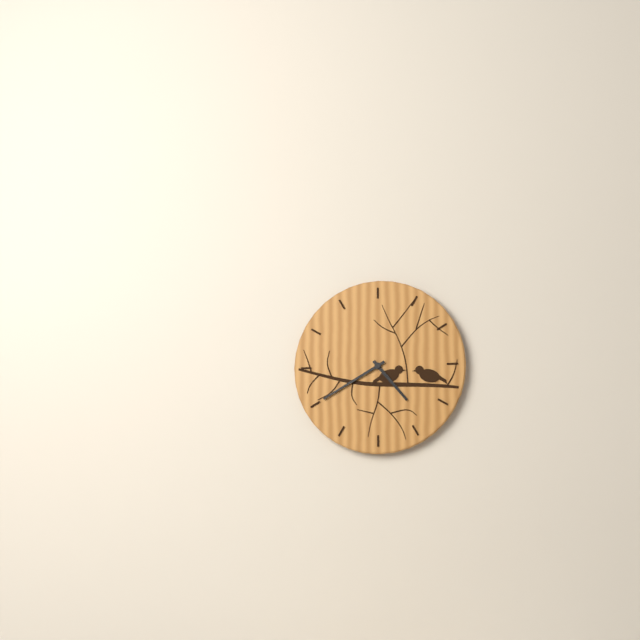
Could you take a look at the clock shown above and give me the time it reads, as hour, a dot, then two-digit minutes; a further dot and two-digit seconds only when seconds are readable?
4.40
